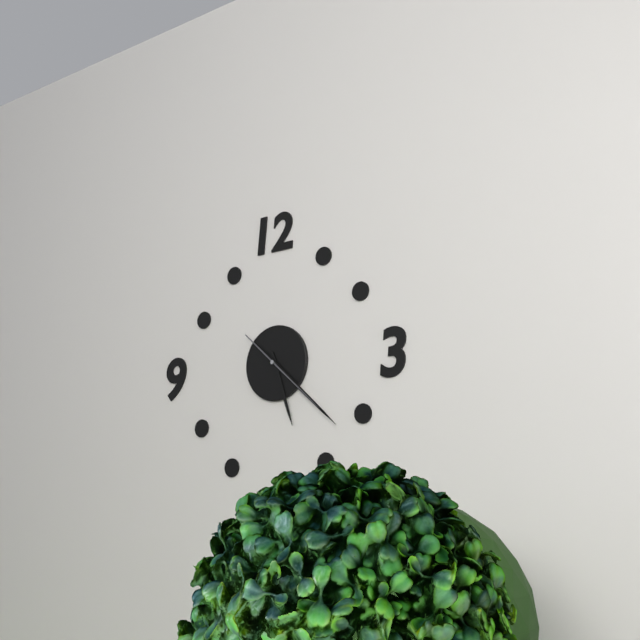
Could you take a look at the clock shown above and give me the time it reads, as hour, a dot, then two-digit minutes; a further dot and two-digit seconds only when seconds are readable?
5.22.22
